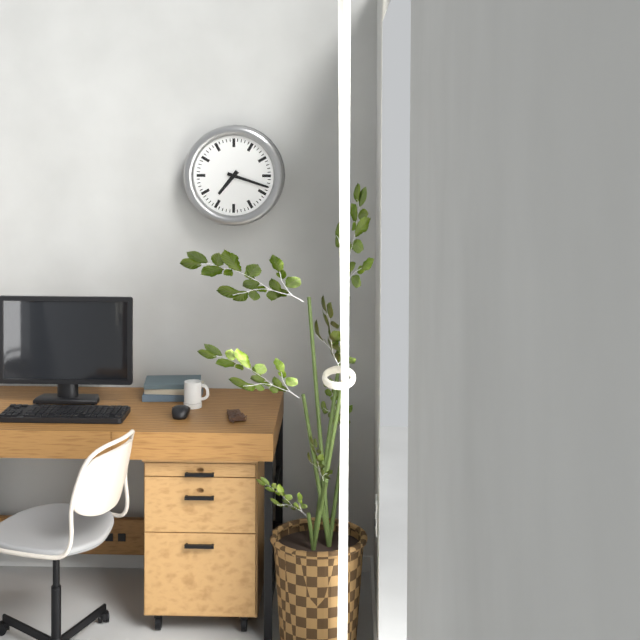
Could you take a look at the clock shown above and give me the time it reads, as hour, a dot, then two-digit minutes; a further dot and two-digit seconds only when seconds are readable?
7.18
